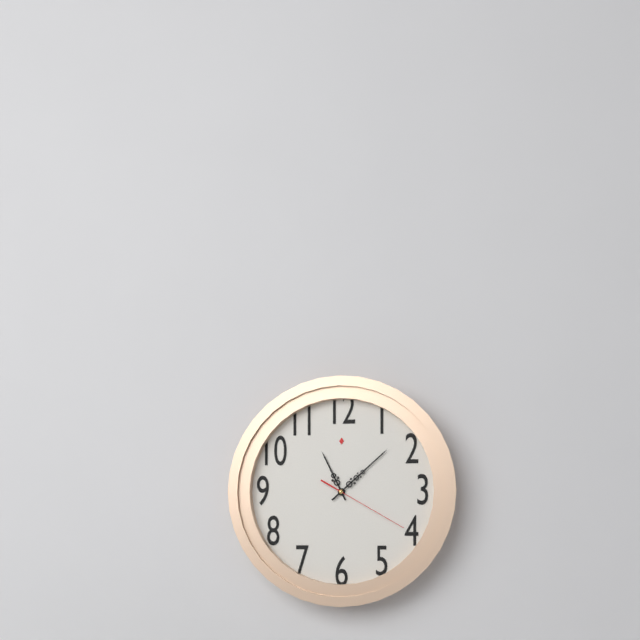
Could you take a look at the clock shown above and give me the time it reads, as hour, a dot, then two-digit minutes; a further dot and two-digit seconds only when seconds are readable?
11.08.20
